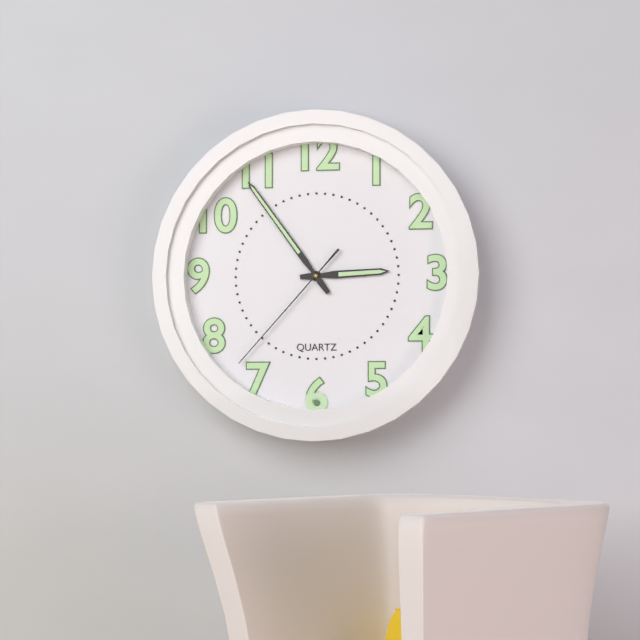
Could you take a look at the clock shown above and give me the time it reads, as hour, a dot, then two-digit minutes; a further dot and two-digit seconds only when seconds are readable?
2.54.37
